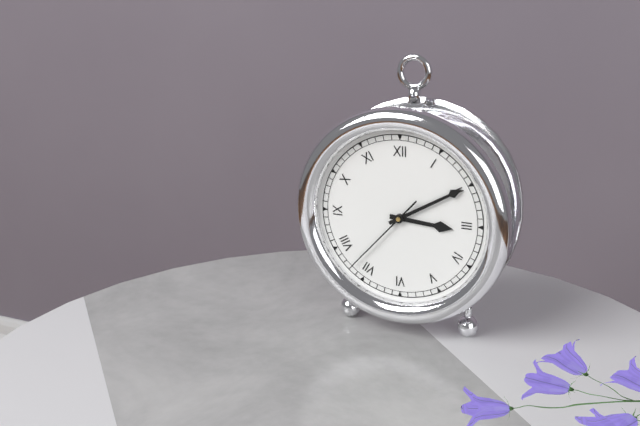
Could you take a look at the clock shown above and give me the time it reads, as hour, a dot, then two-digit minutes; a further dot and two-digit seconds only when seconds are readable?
3.10.37
